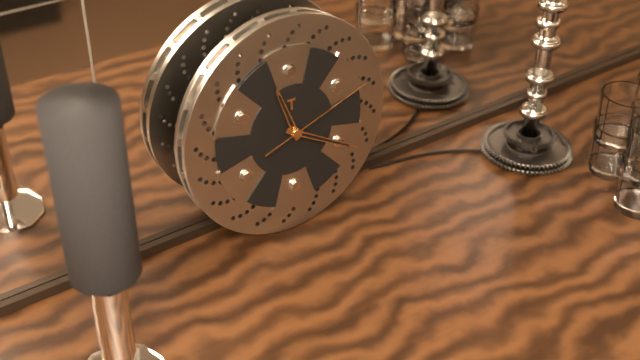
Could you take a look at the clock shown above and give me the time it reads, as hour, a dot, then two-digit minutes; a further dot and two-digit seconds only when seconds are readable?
11.20.12
